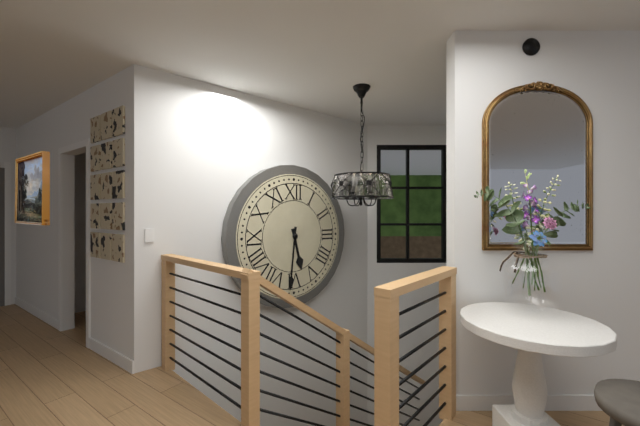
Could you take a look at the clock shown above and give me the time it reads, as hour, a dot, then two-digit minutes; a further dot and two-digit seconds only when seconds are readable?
5.31
